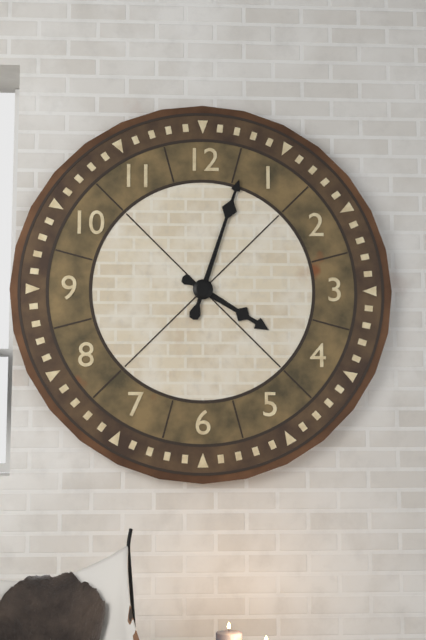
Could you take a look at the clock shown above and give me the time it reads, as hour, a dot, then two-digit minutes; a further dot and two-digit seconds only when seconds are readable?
4.03
